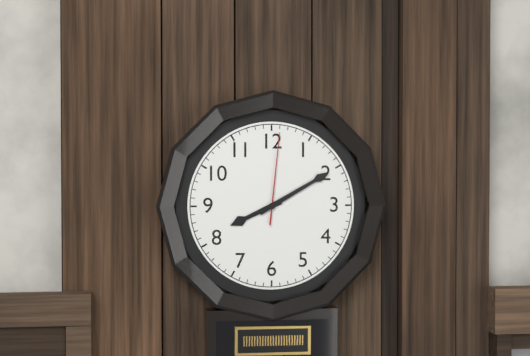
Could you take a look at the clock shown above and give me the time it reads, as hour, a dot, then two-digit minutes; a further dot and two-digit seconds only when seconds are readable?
8.10.01
